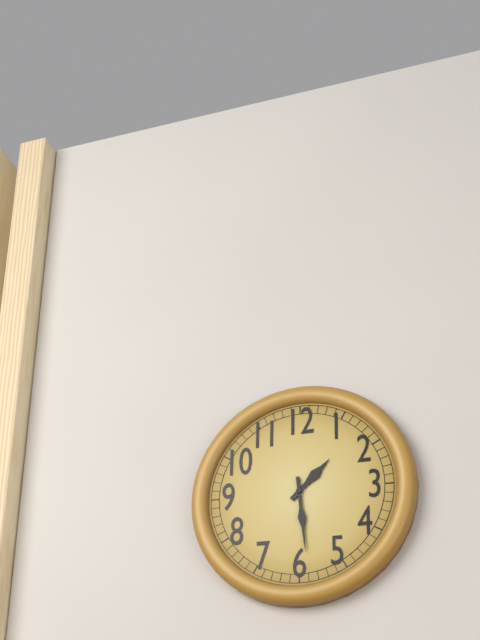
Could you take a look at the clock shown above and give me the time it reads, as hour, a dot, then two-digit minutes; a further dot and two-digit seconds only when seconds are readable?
1.29
